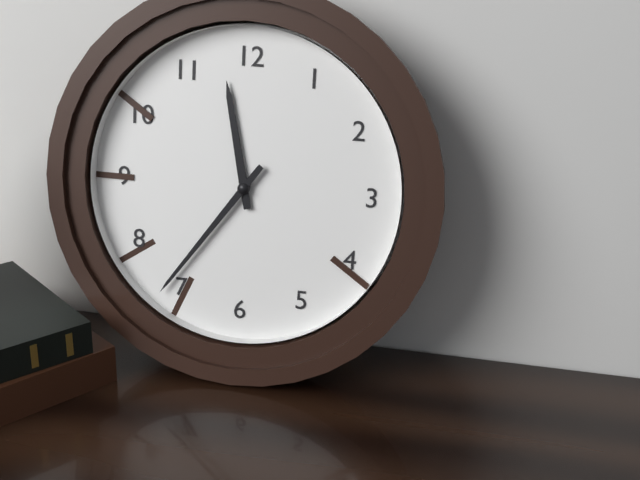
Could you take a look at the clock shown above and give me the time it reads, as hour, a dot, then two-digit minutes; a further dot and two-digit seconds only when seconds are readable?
11.36
